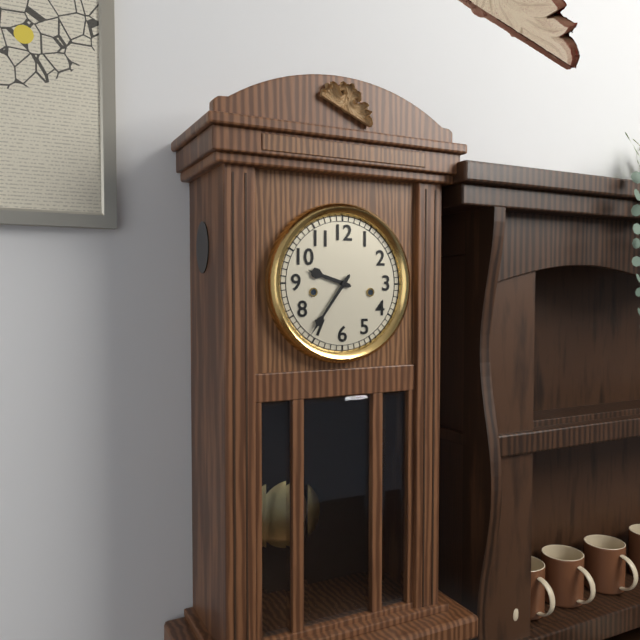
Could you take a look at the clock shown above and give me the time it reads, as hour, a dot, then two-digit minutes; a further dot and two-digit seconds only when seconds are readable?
9.36
